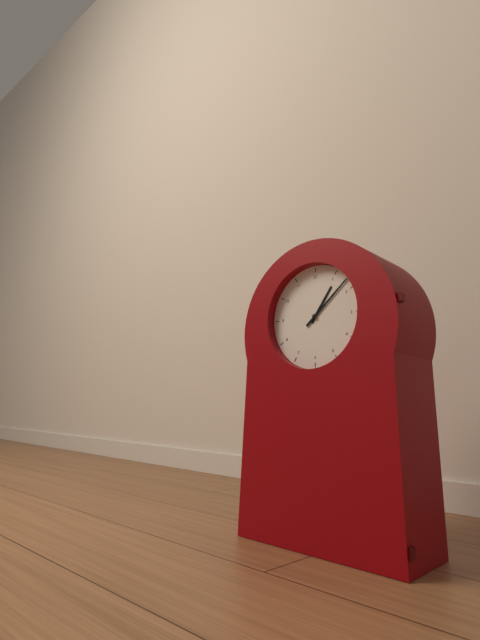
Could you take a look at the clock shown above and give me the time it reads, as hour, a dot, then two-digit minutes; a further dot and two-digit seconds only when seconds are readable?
1.08
